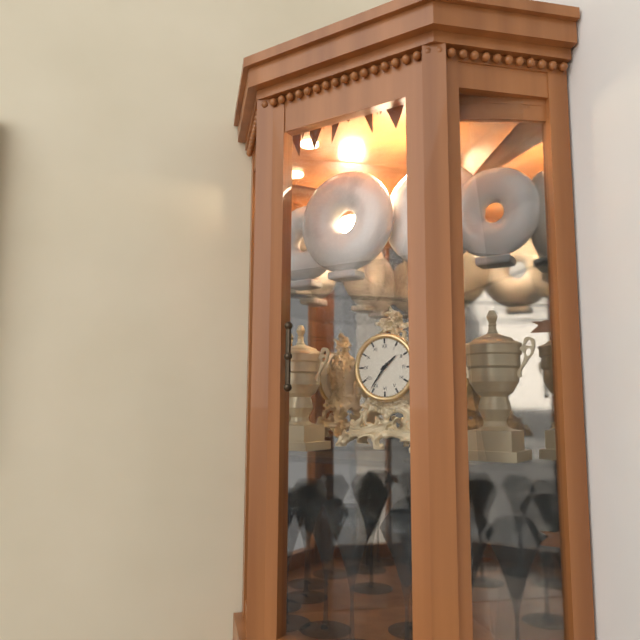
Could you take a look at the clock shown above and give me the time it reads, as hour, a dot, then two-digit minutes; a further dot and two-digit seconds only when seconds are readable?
1.36
